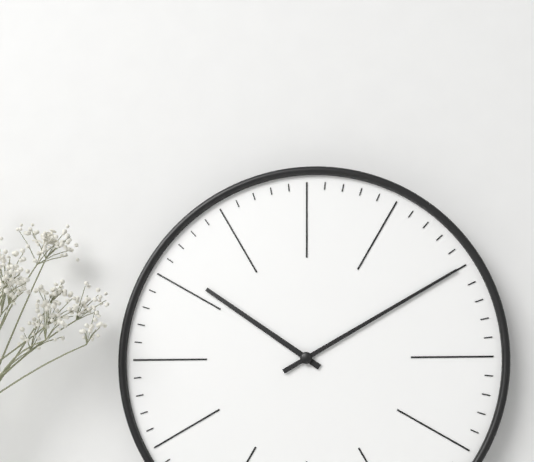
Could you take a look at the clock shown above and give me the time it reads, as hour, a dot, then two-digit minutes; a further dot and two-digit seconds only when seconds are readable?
10.10
